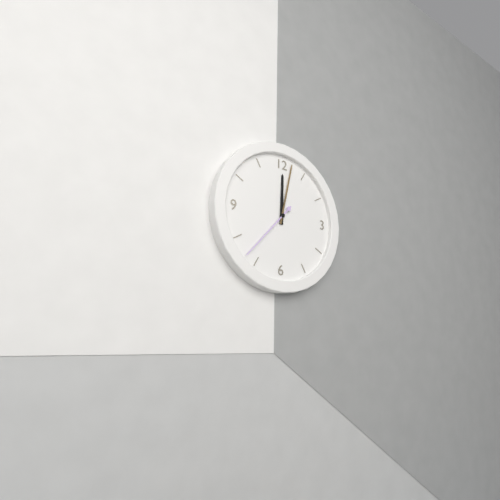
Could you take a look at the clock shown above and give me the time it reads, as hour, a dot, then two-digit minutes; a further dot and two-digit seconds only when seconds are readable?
12.02.37
